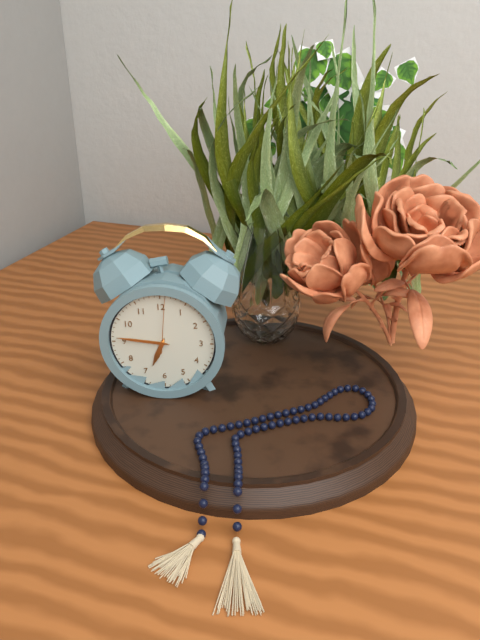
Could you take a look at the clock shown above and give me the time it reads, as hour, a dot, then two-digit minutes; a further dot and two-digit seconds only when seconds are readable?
6.46.01
